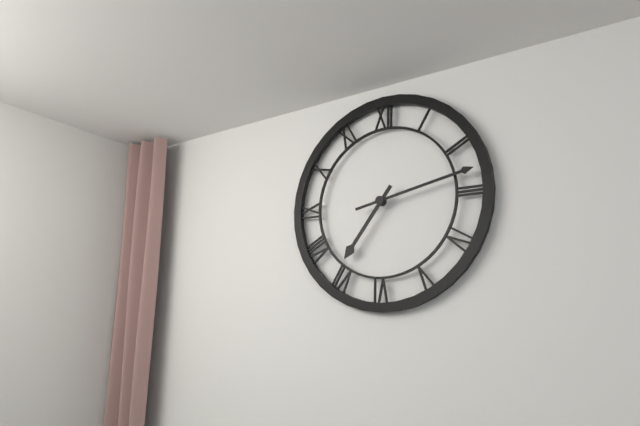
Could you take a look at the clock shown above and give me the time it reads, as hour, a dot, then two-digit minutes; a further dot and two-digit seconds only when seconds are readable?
7.13
